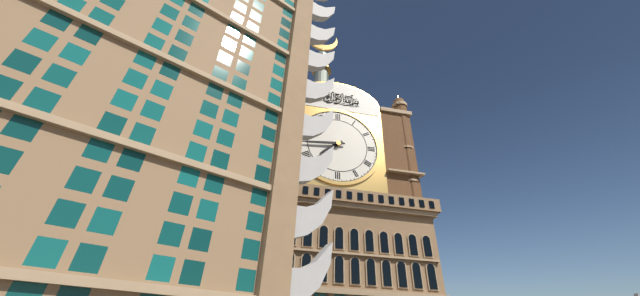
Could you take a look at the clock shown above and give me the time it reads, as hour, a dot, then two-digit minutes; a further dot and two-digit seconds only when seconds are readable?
7.44
